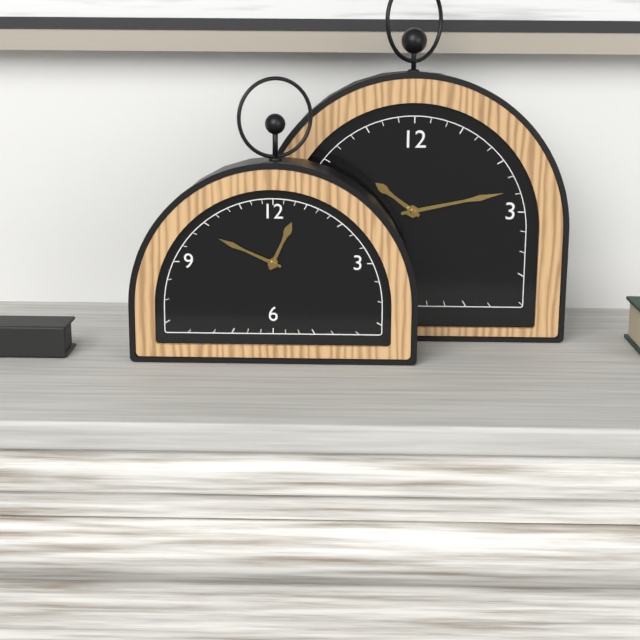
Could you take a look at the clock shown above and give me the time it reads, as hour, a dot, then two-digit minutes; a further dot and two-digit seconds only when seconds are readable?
12.49
